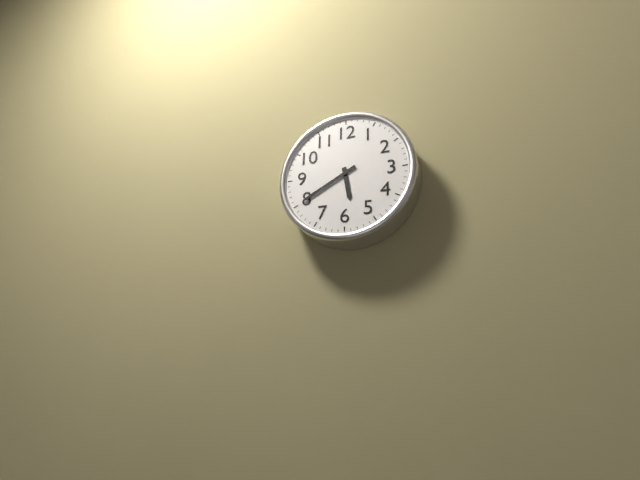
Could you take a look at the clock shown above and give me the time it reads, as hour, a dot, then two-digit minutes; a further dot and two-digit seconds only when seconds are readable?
5.40
